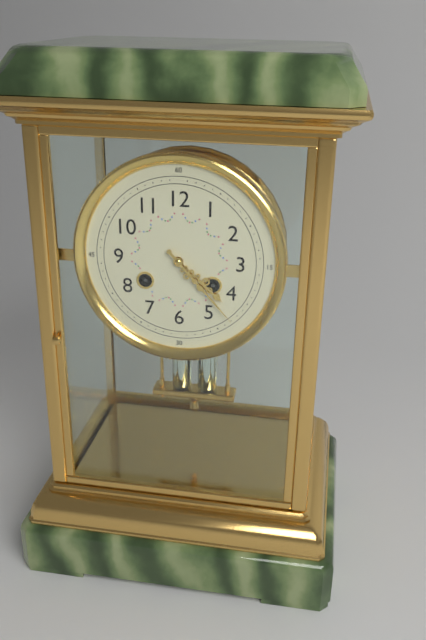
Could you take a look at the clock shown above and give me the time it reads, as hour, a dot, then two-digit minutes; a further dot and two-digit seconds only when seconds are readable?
4.23
